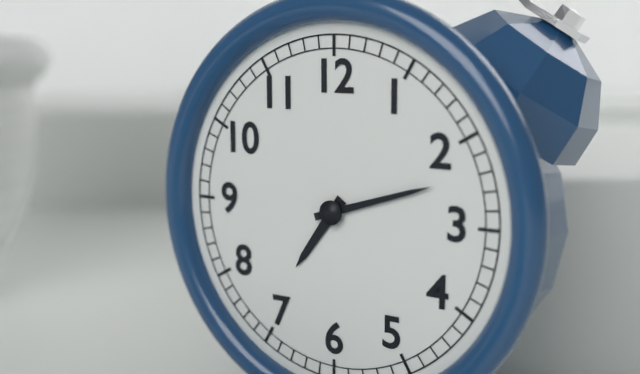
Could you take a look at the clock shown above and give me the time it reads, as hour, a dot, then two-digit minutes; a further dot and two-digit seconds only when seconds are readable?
7.12
